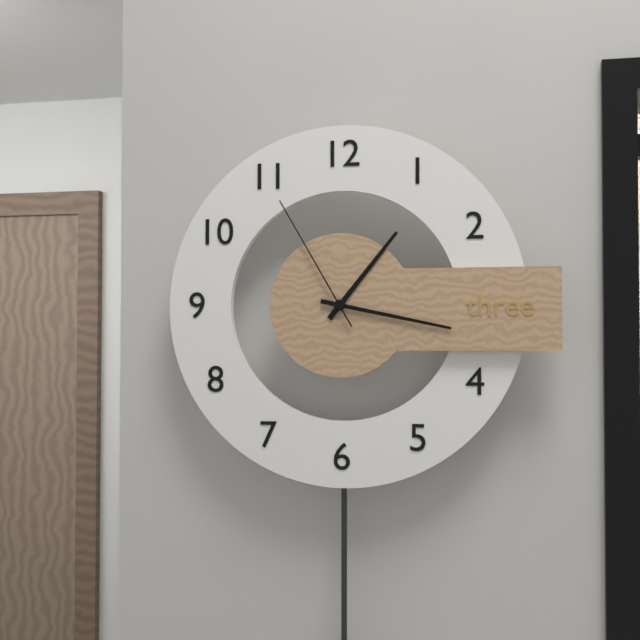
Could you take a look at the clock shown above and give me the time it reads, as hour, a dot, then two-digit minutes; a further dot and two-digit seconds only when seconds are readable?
1.17.55
